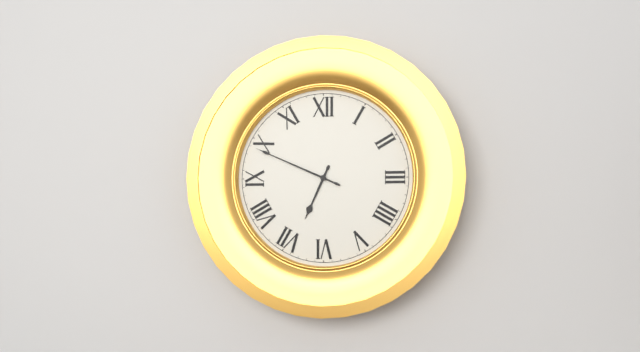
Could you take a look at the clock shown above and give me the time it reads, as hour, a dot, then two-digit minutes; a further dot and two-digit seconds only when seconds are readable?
6.49
